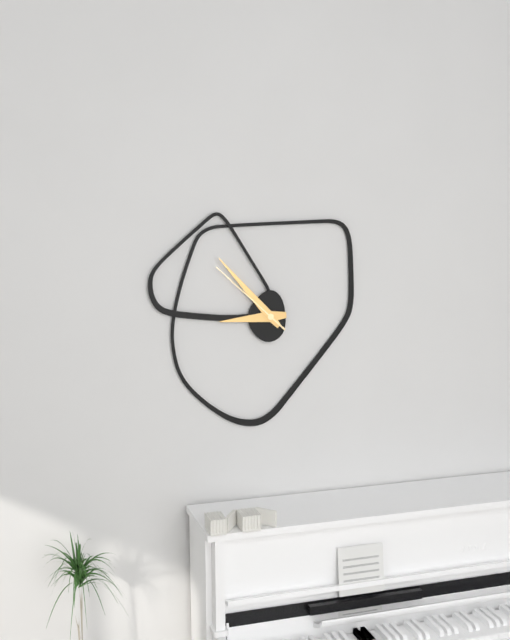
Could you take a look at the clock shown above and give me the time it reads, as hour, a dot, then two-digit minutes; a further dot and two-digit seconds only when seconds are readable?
8.53.52
